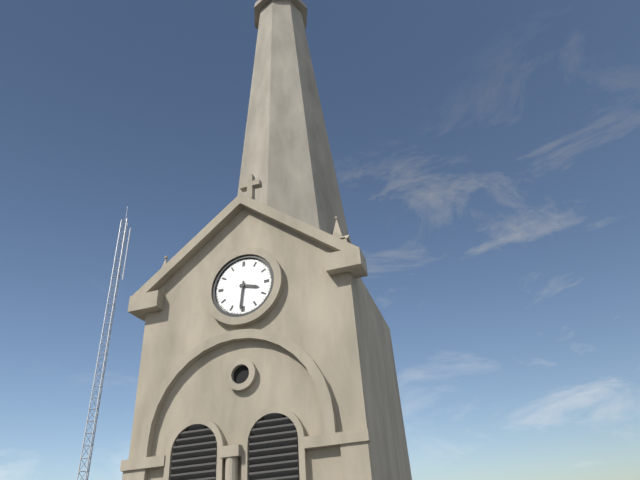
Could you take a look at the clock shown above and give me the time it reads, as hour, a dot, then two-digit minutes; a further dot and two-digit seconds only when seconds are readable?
3.31
